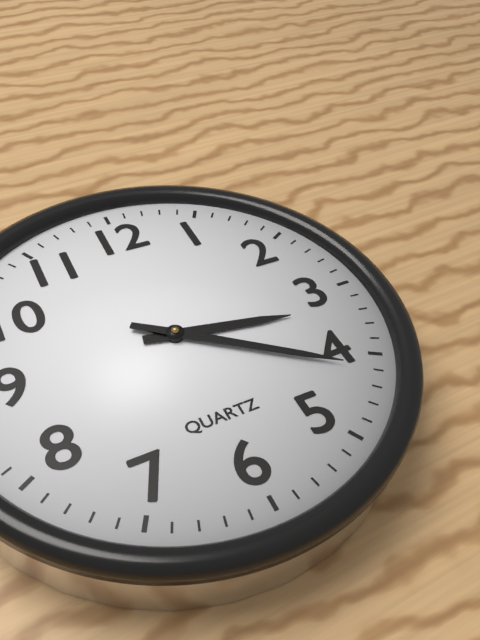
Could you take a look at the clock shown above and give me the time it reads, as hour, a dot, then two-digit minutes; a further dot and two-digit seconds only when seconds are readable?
3.21
